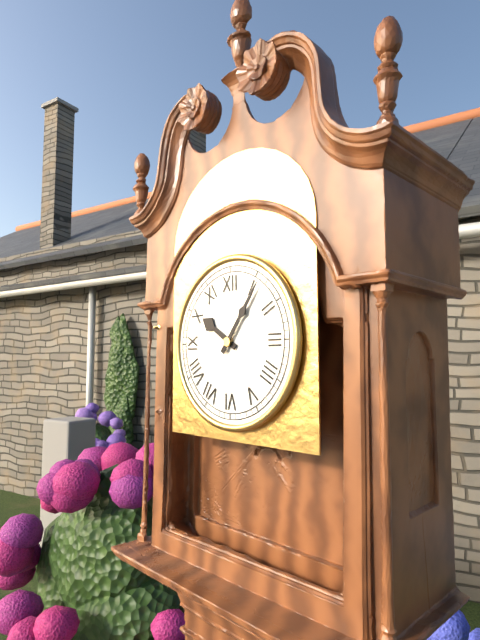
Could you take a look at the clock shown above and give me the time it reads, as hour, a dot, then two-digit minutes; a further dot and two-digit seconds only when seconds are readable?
10.06
